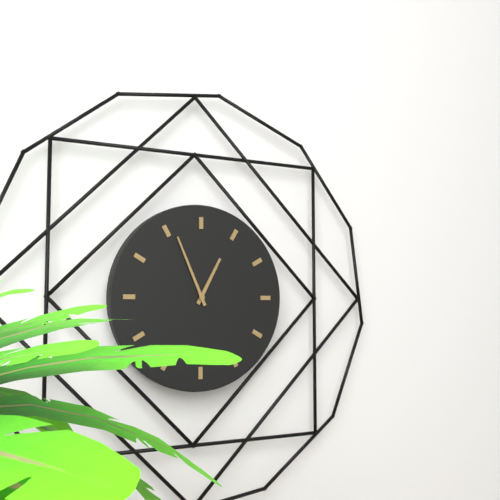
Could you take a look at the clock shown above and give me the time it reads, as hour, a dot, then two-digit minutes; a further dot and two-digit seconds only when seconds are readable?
12.56
